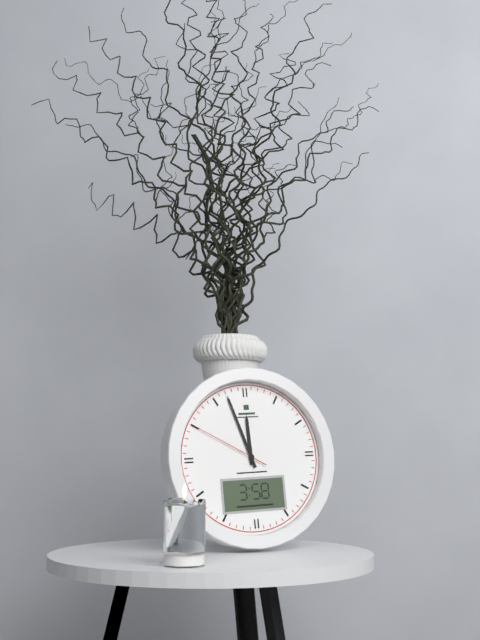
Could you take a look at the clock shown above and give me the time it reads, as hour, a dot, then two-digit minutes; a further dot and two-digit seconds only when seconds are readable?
11.57.50
